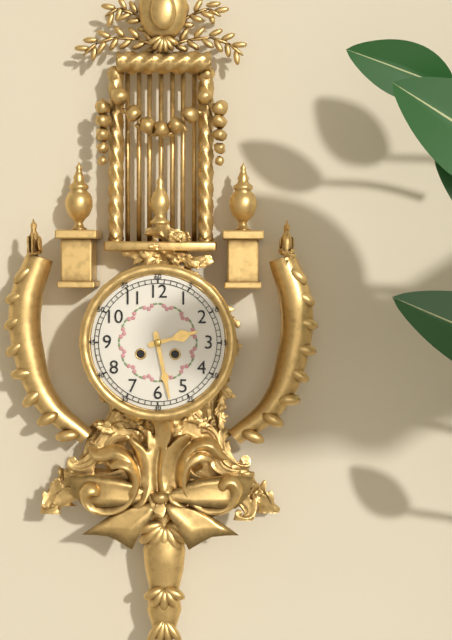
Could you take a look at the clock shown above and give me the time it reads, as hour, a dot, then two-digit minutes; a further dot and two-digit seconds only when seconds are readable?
2.28
